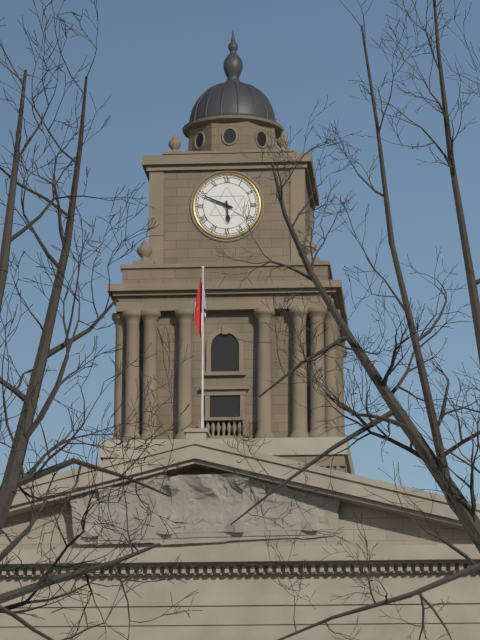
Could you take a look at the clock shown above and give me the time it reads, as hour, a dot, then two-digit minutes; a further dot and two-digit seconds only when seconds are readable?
5.49
